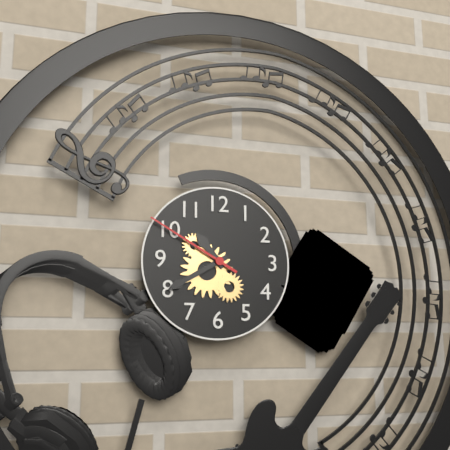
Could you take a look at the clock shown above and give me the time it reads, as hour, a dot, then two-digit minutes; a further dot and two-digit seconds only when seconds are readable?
10.40.50
